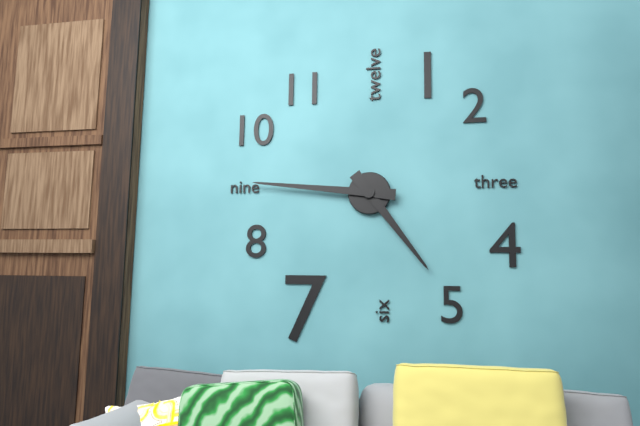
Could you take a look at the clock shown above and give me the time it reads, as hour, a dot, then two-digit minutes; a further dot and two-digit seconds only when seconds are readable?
4.46
